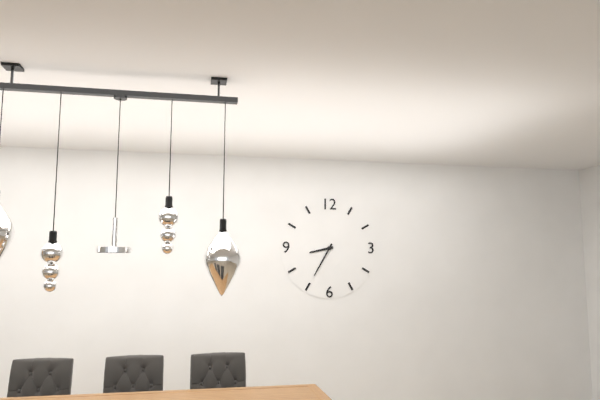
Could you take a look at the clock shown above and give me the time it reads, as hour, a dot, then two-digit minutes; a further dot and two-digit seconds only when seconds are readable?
8.35
